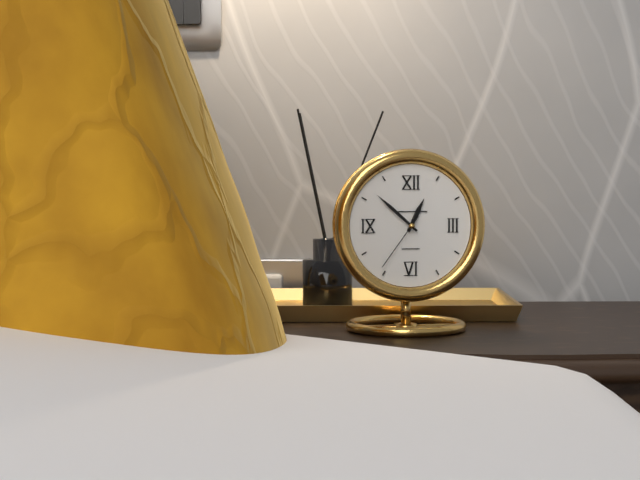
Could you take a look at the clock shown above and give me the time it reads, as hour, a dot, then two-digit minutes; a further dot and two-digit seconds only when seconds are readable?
12.52.36
